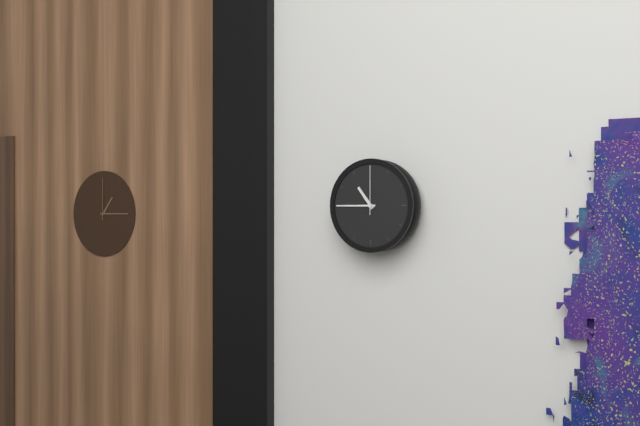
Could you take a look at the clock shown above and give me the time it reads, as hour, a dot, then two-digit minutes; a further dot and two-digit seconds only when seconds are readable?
10.45.00
